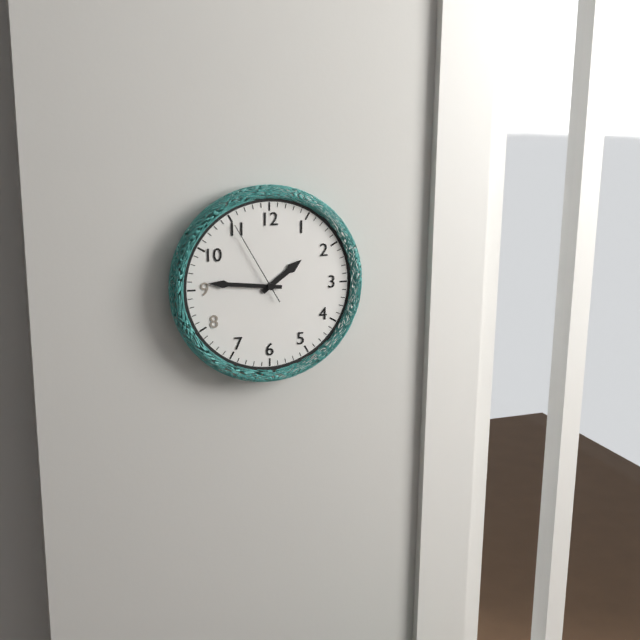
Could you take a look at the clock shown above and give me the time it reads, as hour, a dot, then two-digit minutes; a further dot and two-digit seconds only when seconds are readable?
1.46.55
